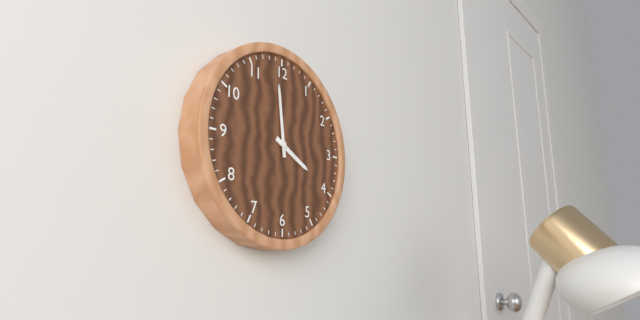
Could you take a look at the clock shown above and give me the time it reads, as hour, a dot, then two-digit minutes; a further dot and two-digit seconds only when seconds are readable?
3.59
